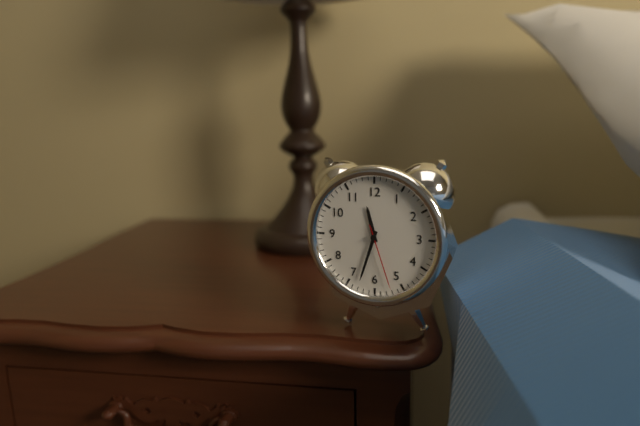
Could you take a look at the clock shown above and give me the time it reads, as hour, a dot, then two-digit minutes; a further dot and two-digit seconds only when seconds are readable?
11.33.27
